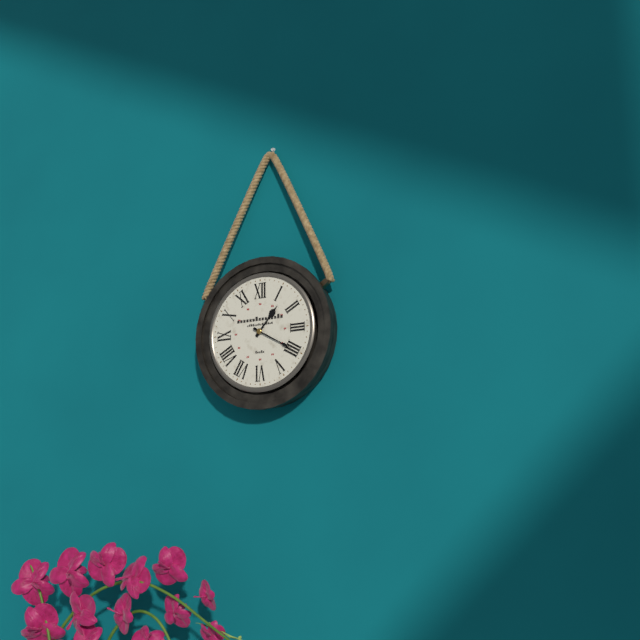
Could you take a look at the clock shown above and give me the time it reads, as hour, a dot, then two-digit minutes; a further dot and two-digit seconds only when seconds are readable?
1.20
